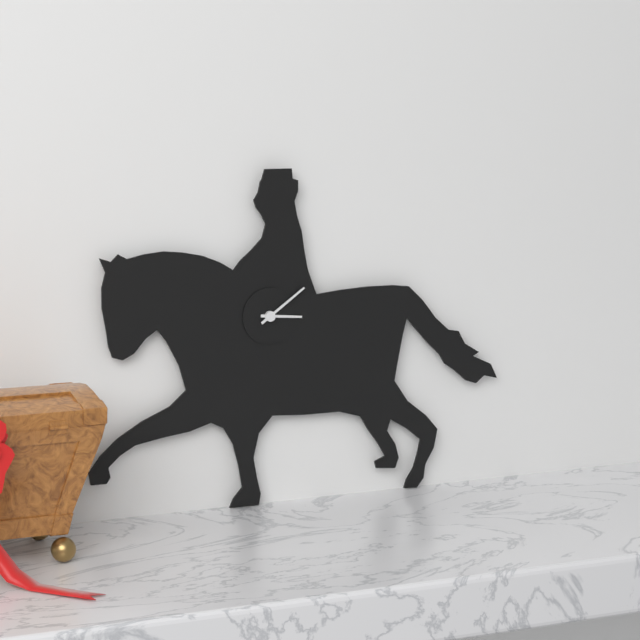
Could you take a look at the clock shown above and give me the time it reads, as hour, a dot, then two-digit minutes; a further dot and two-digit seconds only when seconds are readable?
3.09
